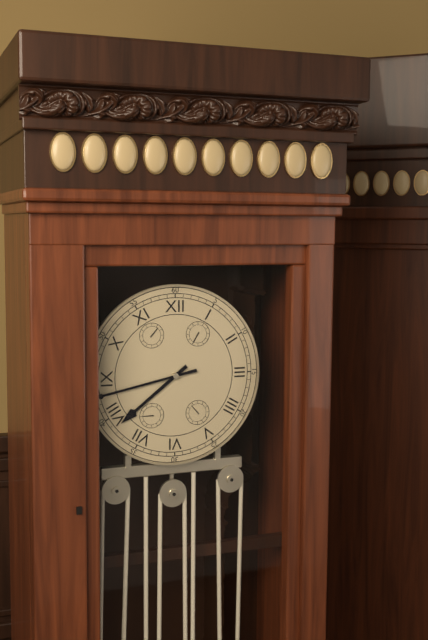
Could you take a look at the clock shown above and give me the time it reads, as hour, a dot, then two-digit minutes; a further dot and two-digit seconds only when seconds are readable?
7.43
